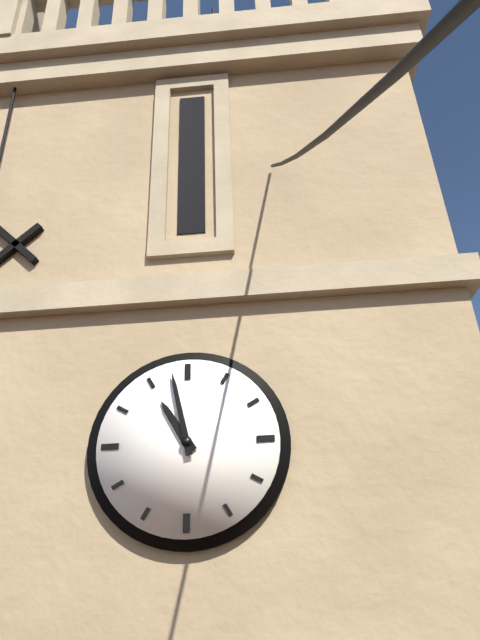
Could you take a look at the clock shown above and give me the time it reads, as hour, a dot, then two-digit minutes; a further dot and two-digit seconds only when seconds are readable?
10.58
